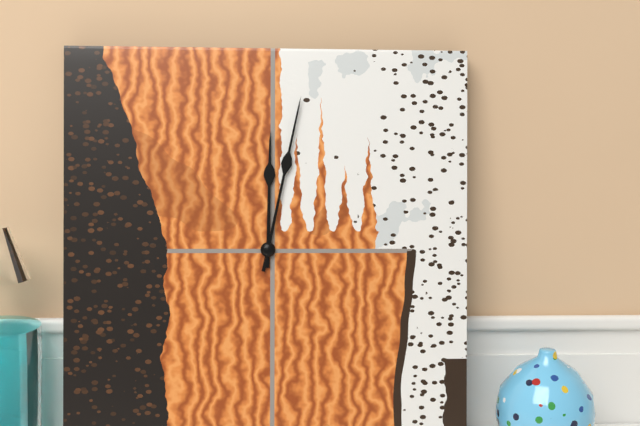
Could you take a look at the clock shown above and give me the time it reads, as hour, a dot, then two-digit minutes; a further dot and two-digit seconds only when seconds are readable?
12.02
